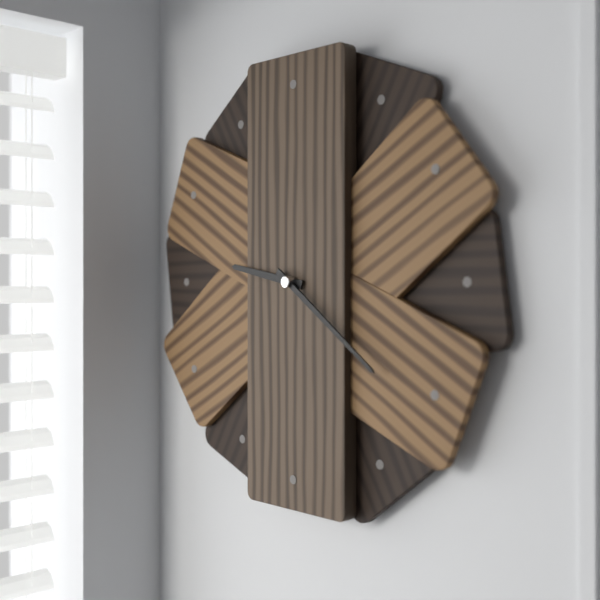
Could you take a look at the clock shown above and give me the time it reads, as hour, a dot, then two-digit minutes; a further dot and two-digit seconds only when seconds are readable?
9.21
